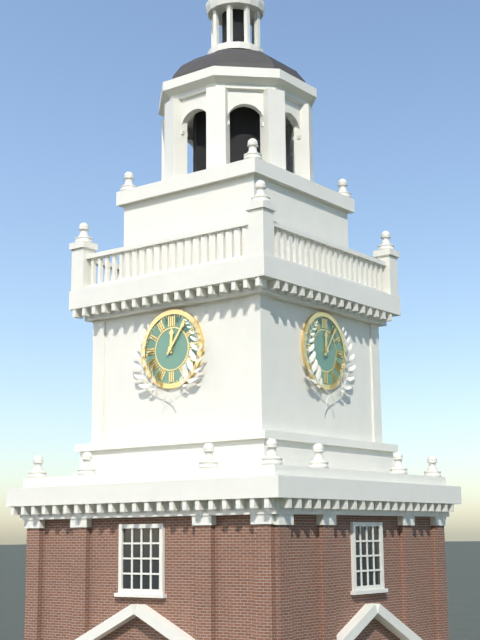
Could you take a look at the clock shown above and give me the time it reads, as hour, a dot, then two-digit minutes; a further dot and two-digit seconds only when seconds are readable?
12.06
